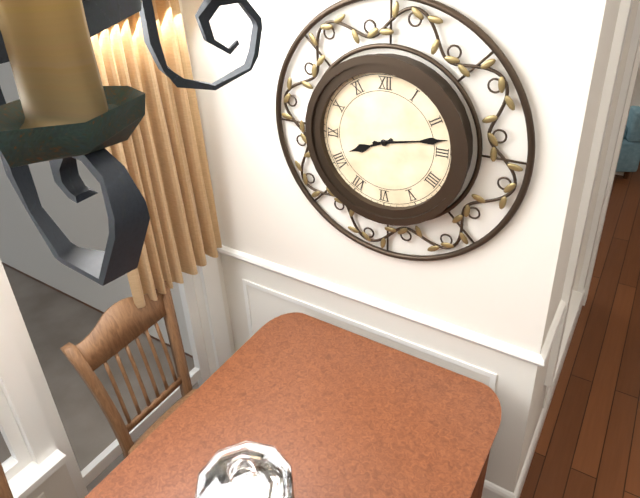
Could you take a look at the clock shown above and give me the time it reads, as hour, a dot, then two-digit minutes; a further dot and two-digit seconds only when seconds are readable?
8.13
